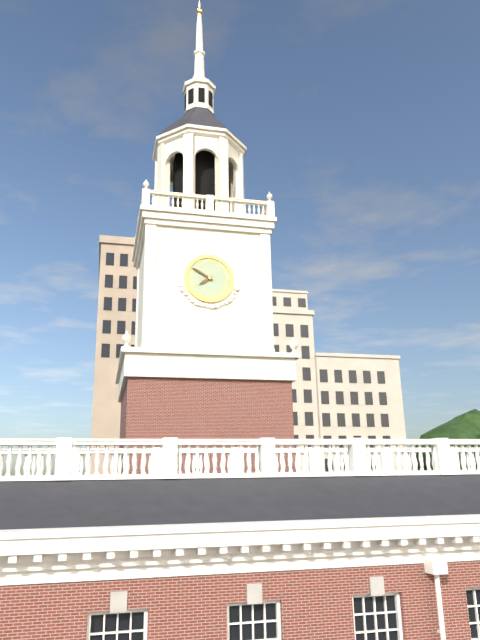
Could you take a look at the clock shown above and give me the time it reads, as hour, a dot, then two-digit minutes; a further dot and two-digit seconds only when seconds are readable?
7.50
